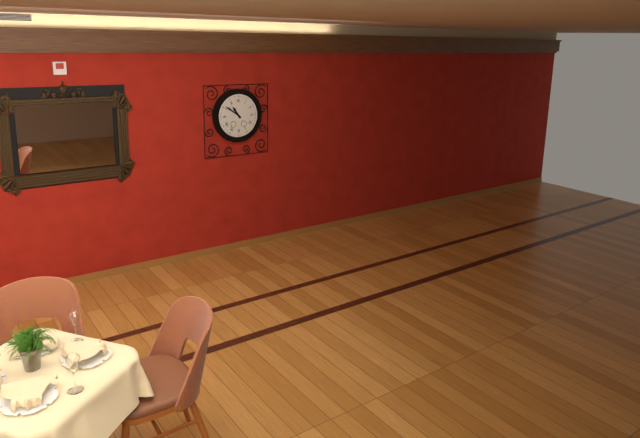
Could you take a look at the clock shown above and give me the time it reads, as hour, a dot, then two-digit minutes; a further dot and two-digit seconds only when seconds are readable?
10.51
